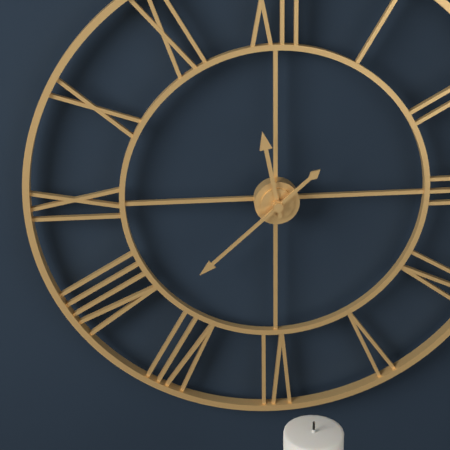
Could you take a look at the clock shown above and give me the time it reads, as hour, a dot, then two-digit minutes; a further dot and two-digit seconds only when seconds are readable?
11.38
